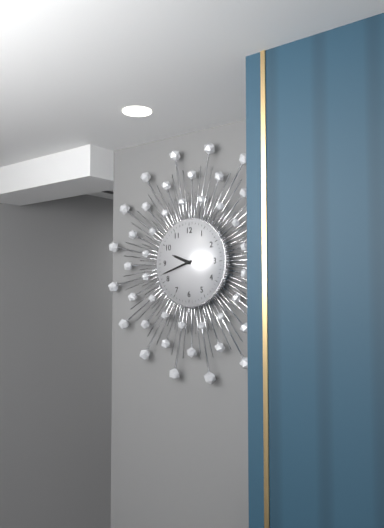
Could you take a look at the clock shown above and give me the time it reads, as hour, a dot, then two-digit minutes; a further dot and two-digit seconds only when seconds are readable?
9.42
